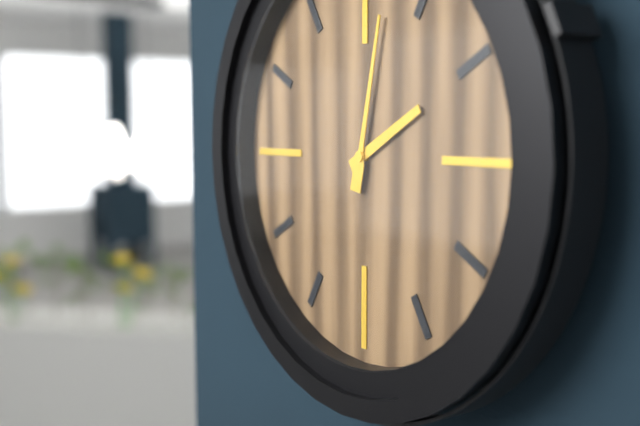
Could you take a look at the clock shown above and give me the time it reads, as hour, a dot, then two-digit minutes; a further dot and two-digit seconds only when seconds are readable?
2.02
